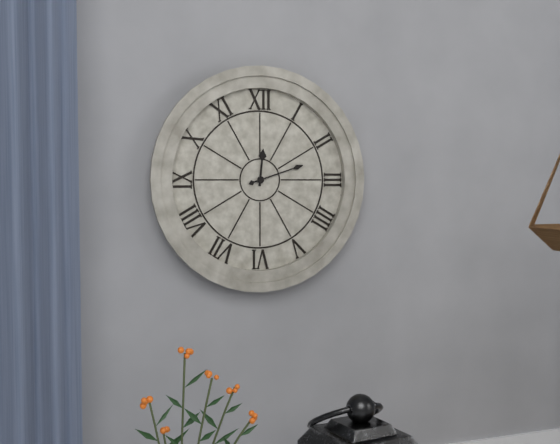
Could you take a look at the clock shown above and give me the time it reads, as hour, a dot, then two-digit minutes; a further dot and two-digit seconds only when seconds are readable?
12.12
